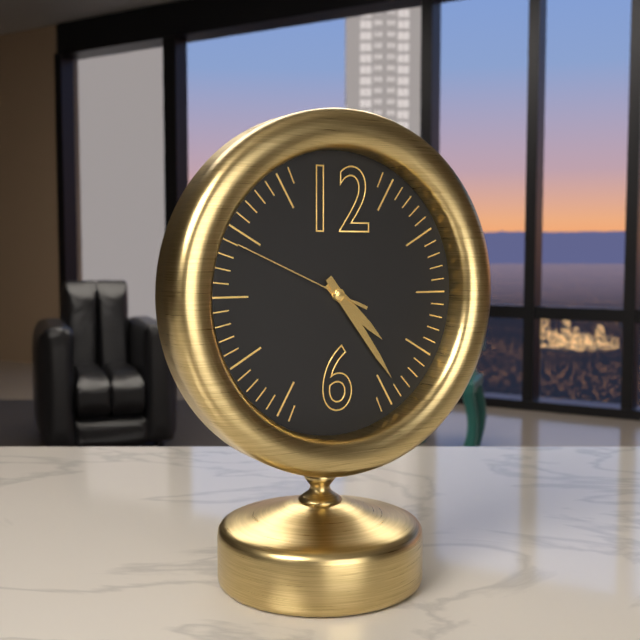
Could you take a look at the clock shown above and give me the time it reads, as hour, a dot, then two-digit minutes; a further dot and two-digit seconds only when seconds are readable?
4.24.49
